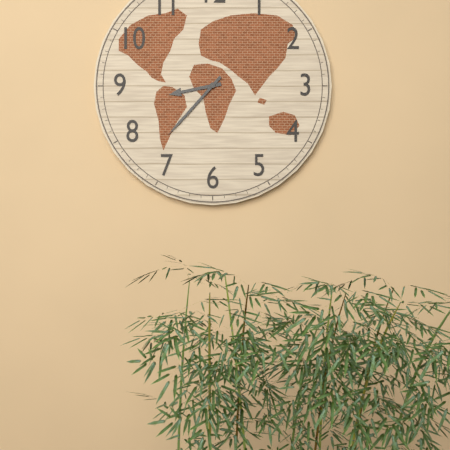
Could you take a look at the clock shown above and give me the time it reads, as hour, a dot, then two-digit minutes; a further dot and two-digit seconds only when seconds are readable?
8.37
